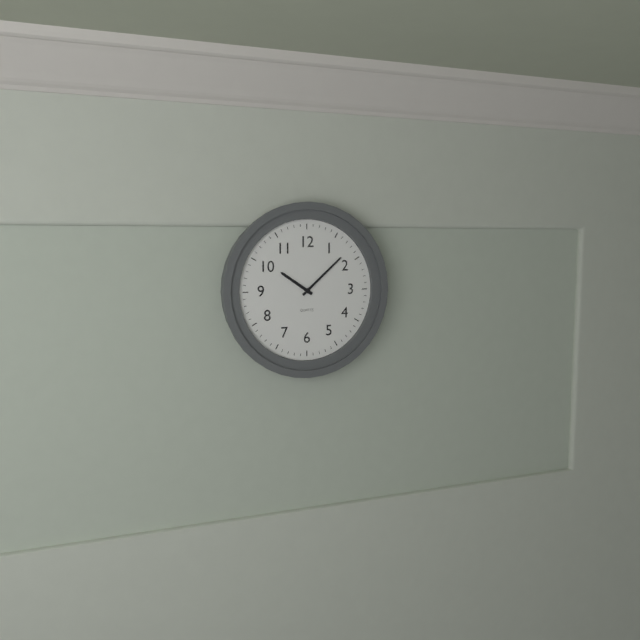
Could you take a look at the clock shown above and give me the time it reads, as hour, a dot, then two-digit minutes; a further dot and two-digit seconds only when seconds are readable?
10.08
